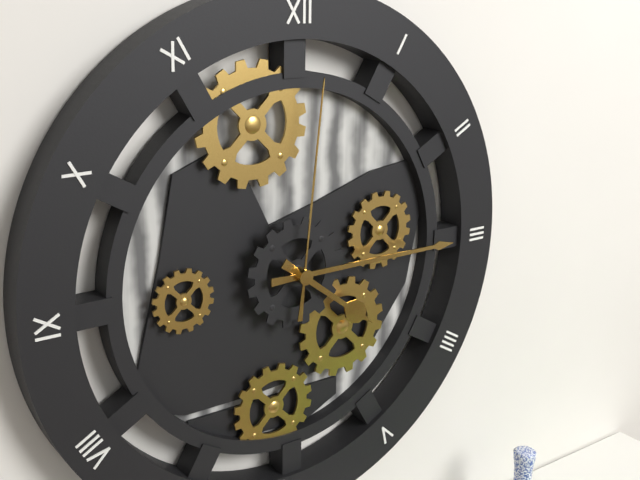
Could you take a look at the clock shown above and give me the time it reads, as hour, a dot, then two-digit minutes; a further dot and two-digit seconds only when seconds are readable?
4.15.01
